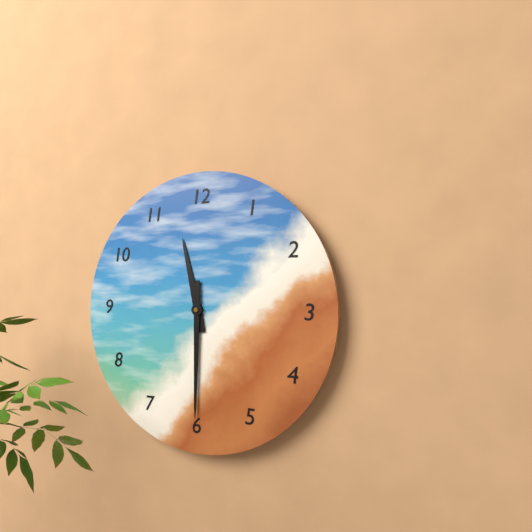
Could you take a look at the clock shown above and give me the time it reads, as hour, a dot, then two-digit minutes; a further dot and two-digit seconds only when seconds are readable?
11.30
